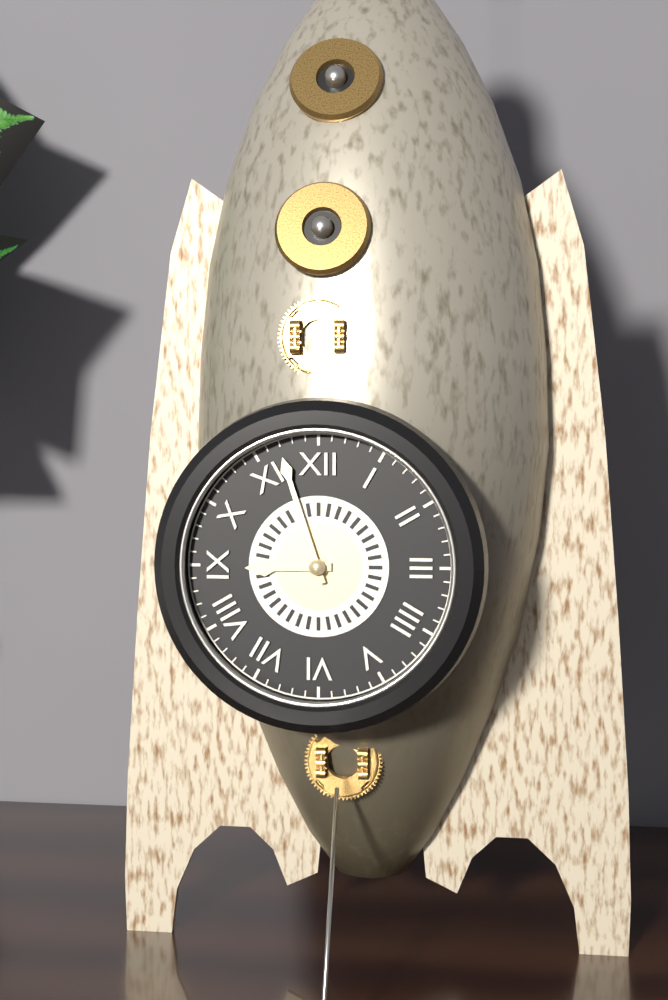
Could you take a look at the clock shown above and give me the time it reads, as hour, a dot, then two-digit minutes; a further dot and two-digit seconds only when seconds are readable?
8.57
